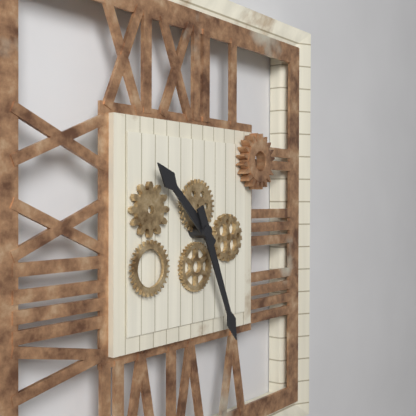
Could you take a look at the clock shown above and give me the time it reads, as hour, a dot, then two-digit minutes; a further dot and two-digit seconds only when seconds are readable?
10.26
